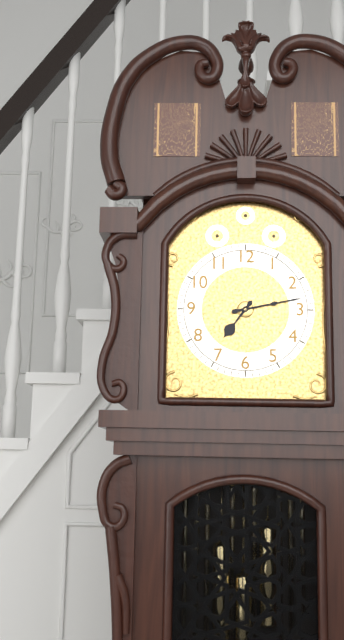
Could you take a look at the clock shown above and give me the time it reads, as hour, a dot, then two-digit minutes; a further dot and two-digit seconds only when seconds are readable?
7.13
